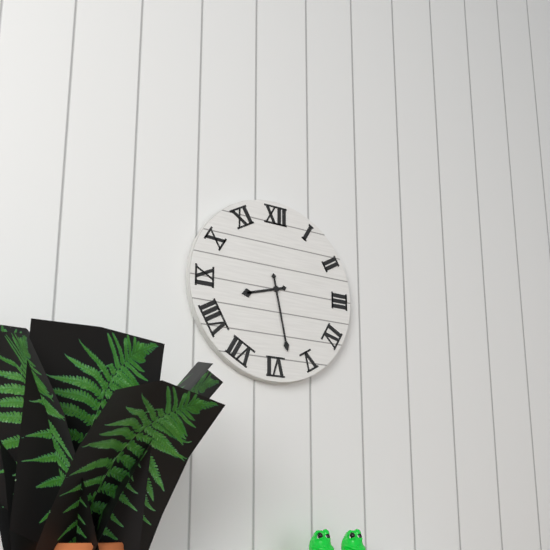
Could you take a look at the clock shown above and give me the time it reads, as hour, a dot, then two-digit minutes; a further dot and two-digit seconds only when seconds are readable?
8.28
